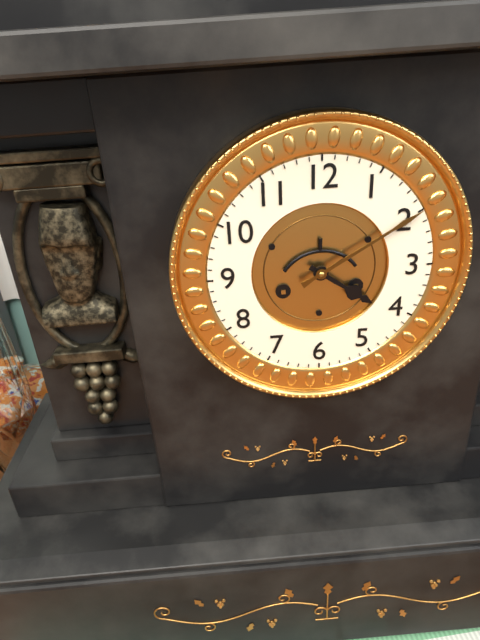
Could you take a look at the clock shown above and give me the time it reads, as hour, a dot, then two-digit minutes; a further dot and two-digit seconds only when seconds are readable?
4.10
